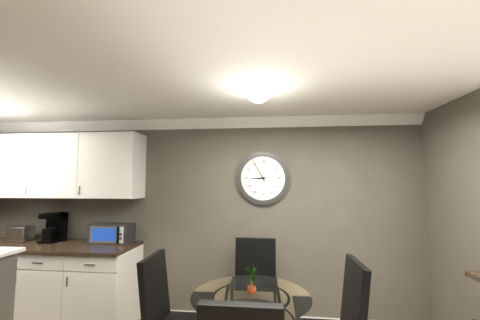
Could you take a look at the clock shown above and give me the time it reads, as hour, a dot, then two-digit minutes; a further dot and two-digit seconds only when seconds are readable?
8.55
